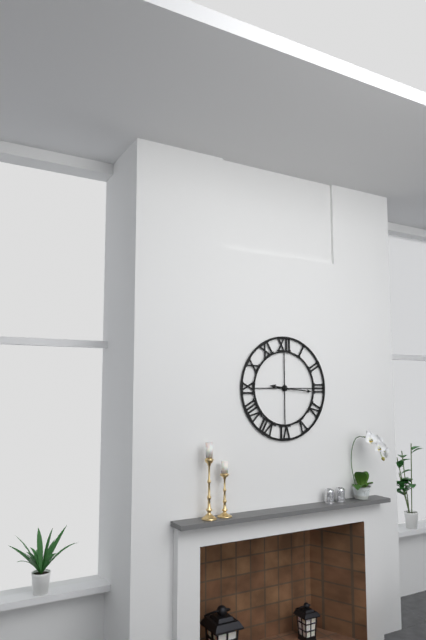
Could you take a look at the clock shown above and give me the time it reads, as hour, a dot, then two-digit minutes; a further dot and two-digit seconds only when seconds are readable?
9.16
